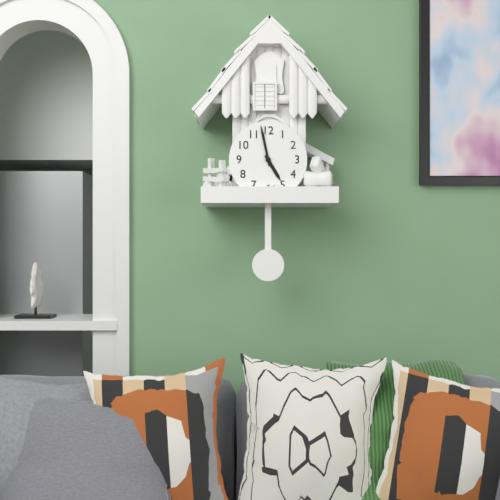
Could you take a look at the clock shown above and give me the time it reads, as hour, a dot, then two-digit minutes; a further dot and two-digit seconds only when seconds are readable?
4.58
